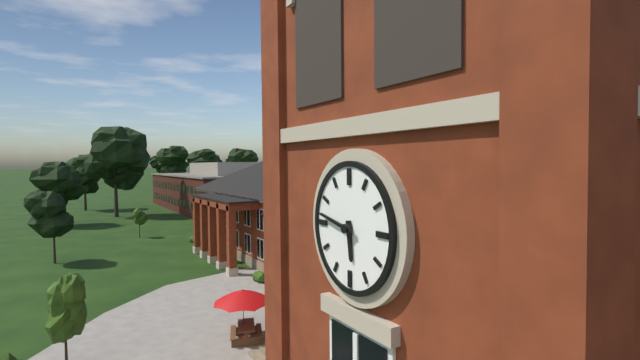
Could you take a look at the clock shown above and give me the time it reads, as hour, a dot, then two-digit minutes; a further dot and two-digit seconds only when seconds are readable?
5.47
